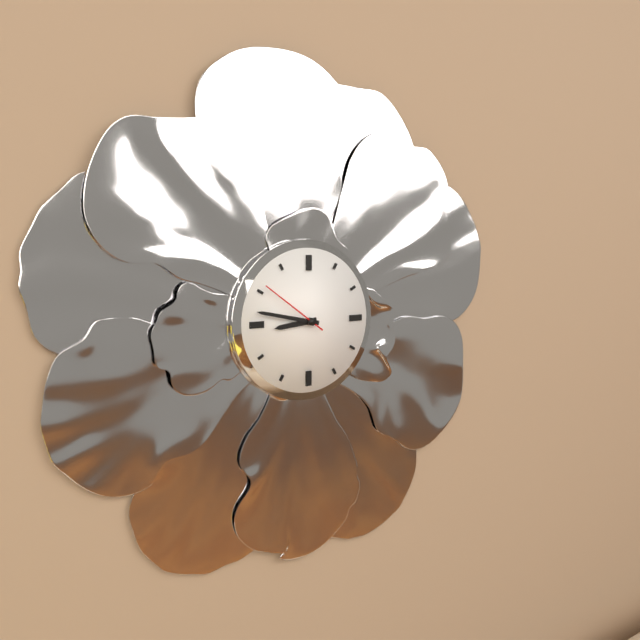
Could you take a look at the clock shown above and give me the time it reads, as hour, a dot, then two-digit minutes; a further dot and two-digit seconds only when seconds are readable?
8.47.51
